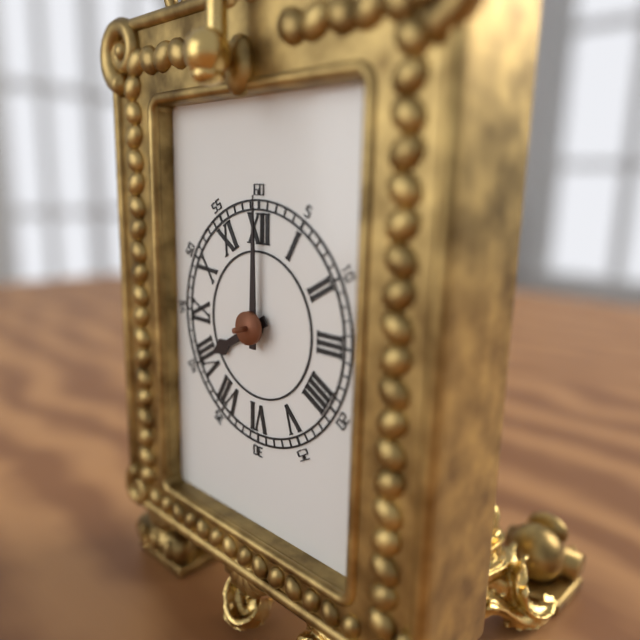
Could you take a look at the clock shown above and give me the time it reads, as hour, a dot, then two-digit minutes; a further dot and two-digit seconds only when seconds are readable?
8.00
